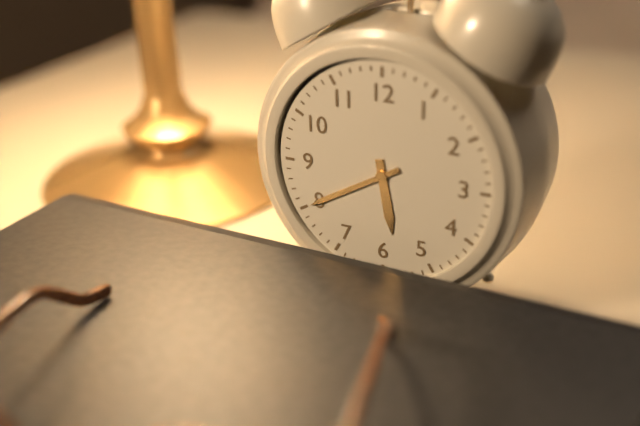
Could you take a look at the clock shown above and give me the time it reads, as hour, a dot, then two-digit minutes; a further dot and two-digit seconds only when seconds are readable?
5.40
